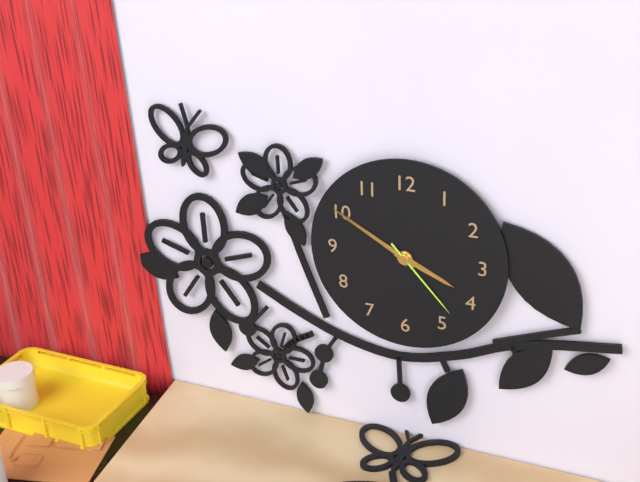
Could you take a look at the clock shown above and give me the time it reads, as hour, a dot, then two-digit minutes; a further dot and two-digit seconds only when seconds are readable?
3.50.23
